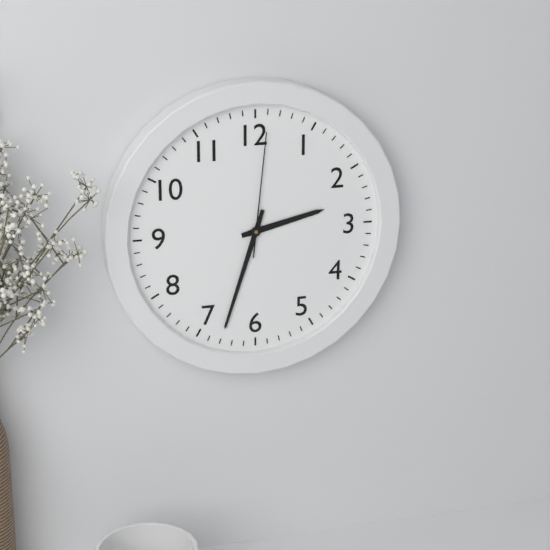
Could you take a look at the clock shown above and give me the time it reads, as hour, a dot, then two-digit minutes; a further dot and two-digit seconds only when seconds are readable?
2.33.01
